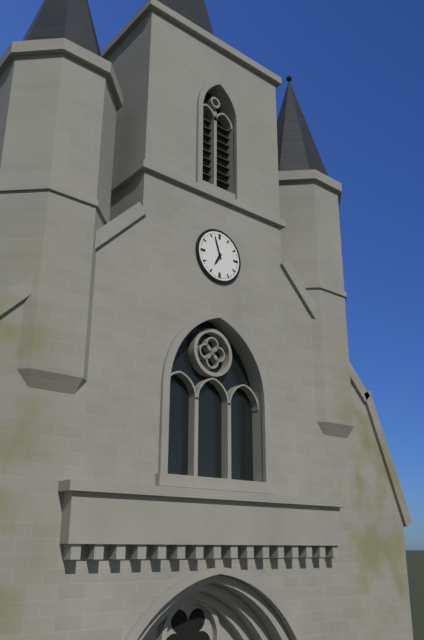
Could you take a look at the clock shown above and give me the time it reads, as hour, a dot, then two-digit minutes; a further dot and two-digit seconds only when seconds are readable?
6.57
